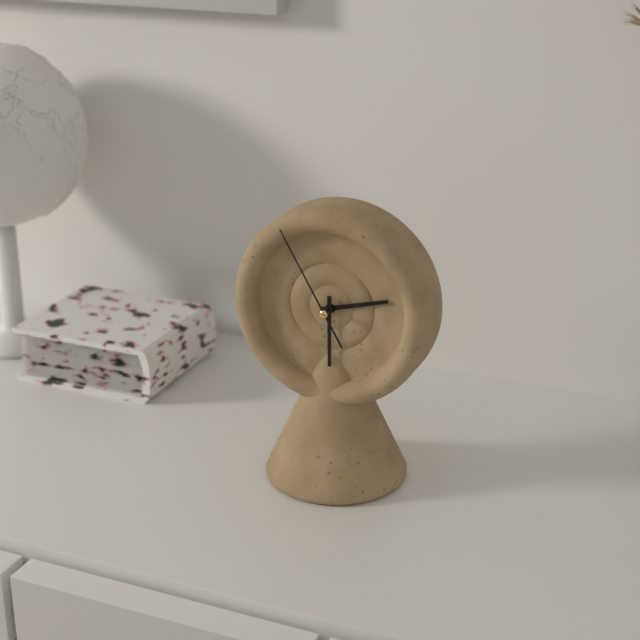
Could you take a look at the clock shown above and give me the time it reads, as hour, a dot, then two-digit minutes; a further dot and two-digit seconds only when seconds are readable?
2.30.55
